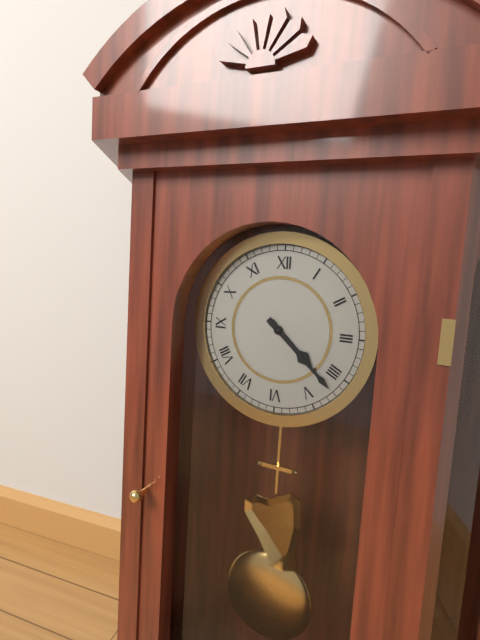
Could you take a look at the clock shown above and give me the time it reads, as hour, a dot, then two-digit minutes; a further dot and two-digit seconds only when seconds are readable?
4.22
